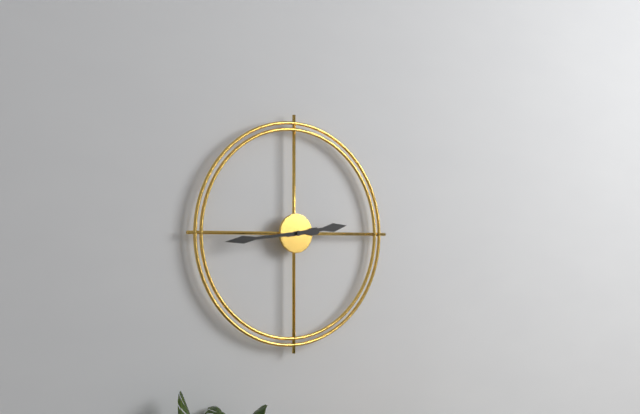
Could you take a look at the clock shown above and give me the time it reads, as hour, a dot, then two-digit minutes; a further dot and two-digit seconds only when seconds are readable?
2.44
